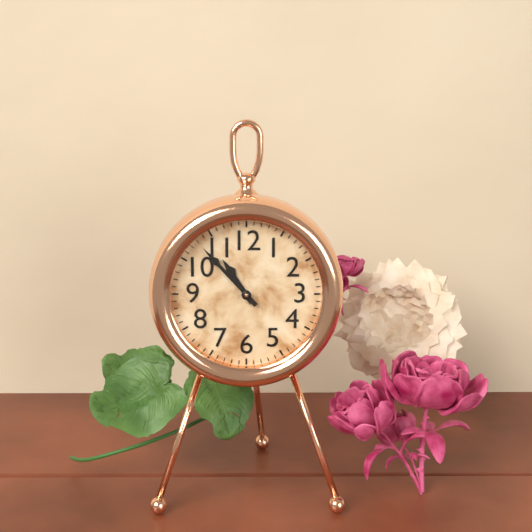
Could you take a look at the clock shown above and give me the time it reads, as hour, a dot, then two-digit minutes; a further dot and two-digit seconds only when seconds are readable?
10.53
